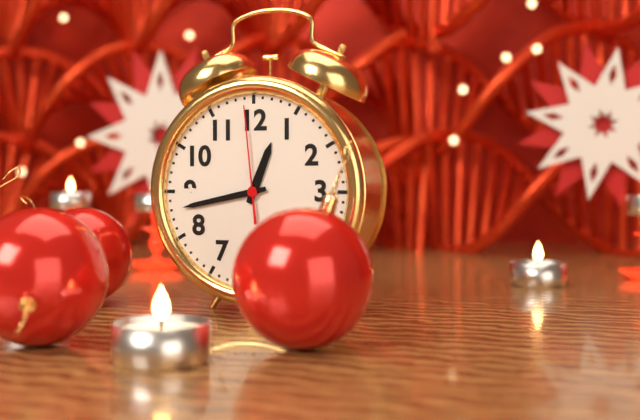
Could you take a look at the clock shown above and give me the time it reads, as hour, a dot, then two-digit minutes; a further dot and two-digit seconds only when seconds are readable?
12.43.59
